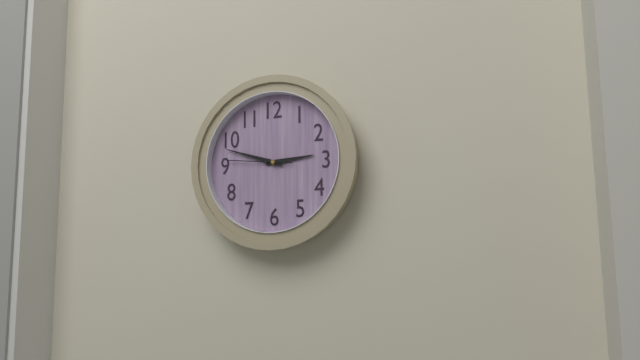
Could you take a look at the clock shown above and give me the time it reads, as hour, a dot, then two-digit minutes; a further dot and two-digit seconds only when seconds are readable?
2.48.46
